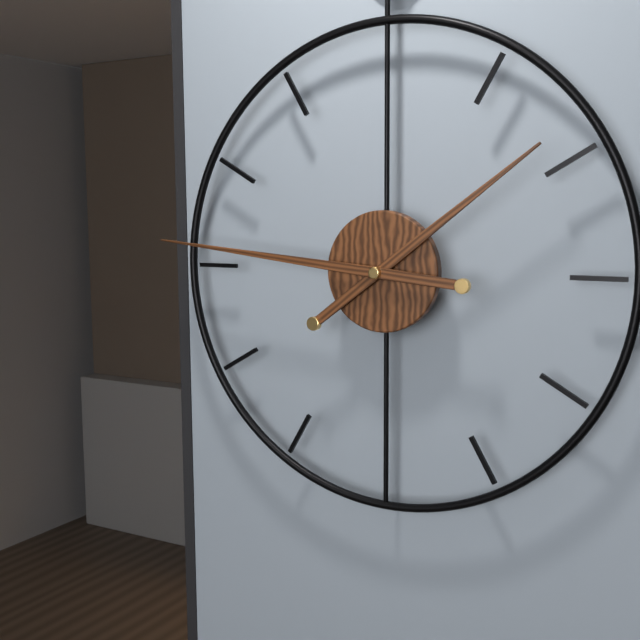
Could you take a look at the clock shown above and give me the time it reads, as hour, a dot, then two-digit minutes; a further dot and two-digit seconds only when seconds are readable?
1.46
